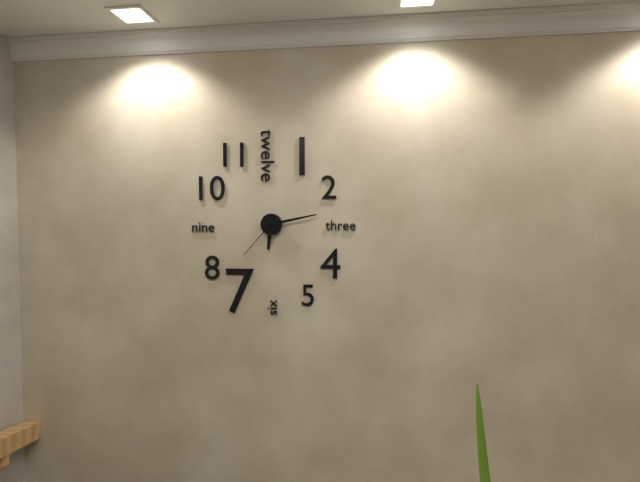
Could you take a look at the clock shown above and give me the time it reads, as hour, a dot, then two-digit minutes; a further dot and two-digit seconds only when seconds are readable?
6.13.37
